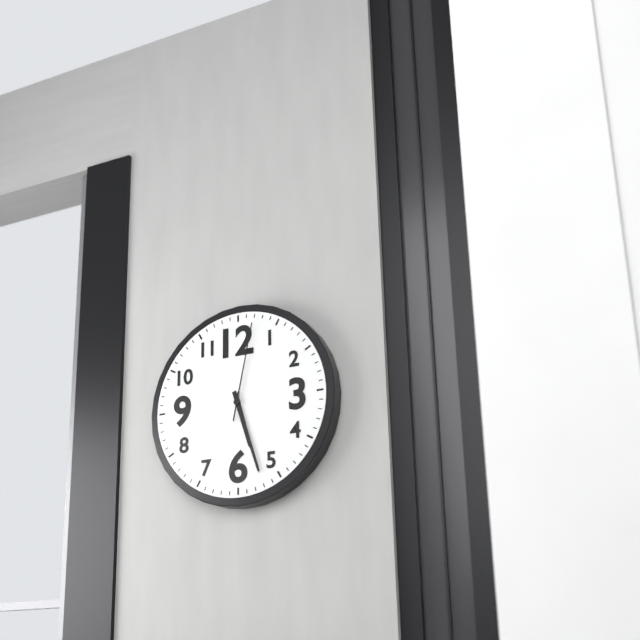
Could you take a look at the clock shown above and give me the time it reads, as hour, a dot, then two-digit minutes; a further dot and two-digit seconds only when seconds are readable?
5.27.02
